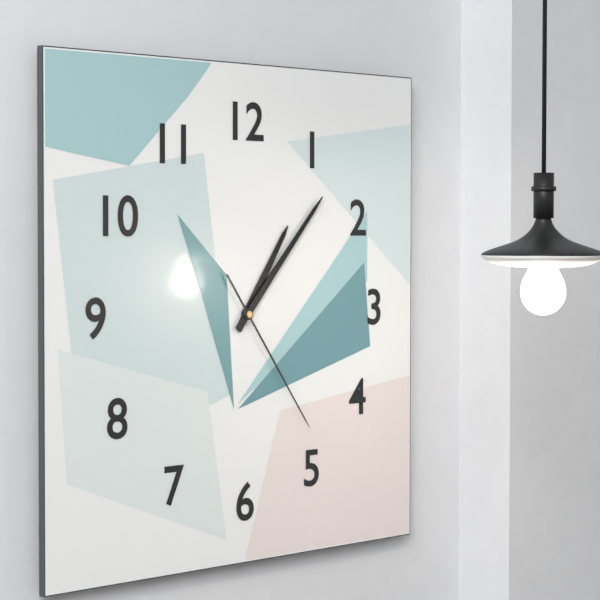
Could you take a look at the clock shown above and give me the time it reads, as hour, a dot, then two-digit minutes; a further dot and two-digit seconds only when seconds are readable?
1.07.24
